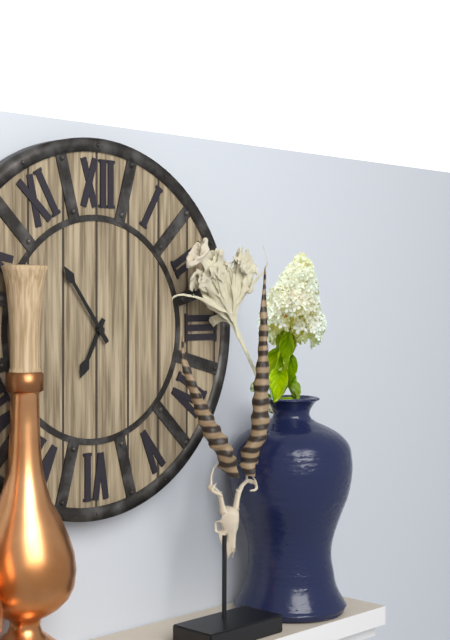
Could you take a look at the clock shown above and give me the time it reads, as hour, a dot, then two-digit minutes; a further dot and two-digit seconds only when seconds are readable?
6.54
